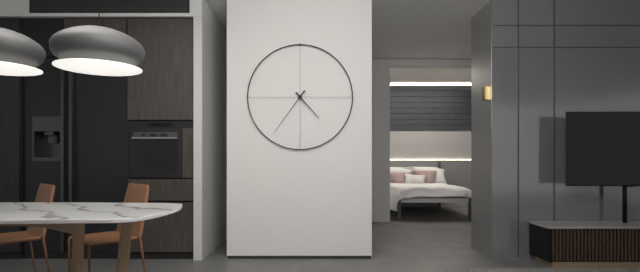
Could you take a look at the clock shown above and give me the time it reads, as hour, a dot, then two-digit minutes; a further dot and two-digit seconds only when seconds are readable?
4.36
